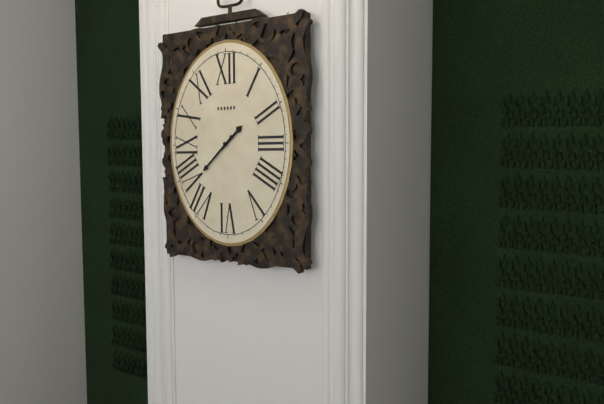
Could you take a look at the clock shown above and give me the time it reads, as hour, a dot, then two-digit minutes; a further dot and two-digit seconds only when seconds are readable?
1.38
